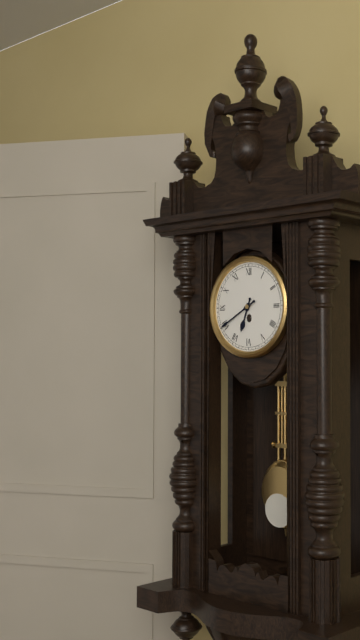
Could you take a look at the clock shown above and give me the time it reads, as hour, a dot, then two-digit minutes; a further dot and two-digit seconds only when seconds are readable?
6.40
